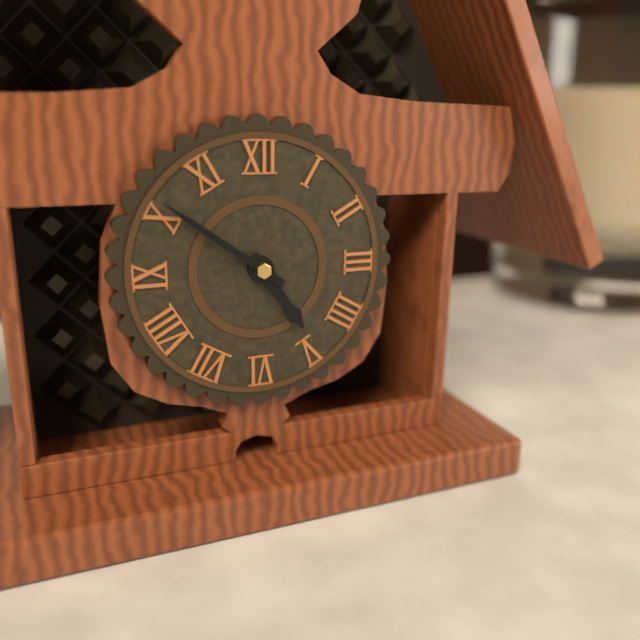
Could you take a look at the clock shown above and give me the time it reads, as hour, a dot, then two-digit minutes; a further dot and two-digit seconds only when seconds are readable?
4.51
